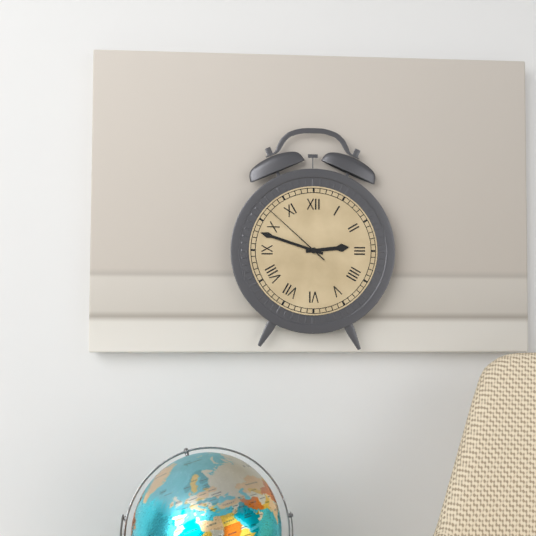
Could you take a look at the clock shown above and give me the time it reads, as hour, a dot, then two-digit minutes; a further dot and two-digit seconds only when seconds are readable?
2.48.52
